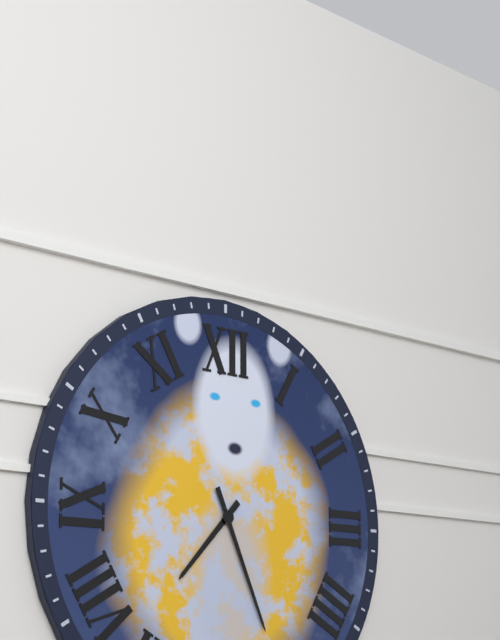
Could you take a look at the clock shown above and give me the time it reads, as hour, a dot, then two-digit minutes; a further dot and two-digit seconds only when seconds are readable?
7.26
